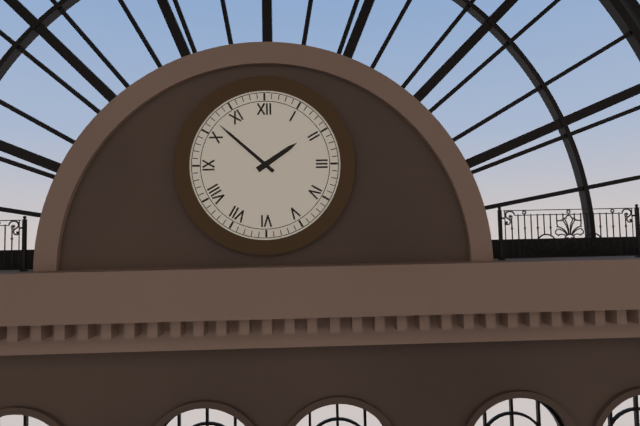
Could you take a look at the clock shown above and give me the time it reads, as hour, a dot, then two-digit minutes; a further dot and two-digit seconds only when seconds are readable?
1.52
